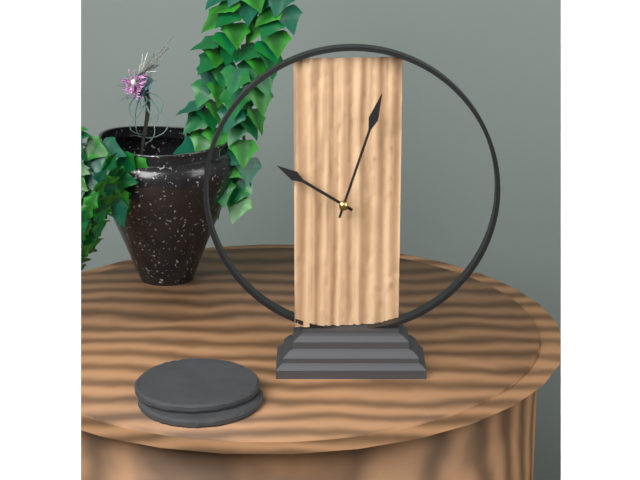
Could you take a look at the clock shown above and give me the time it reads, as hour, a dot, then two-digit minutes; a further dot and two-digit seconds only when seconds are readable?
10.03
